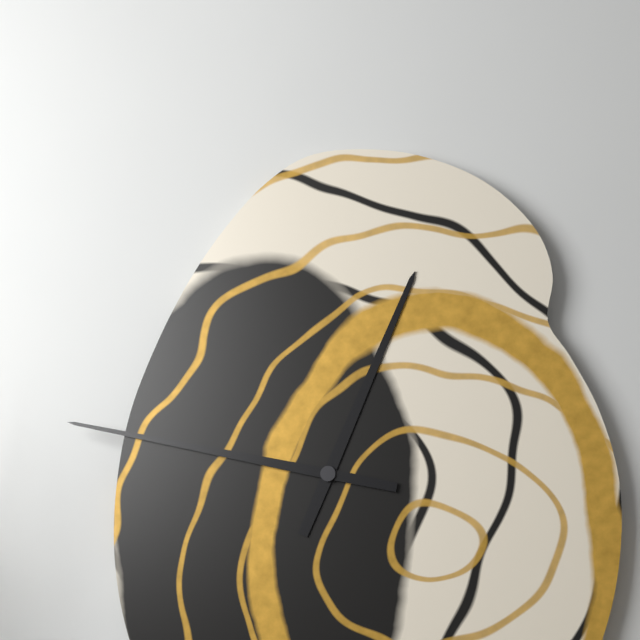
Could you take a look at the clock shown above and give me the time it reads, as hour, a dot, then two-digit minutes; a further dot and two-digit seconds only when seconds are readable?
12.47
